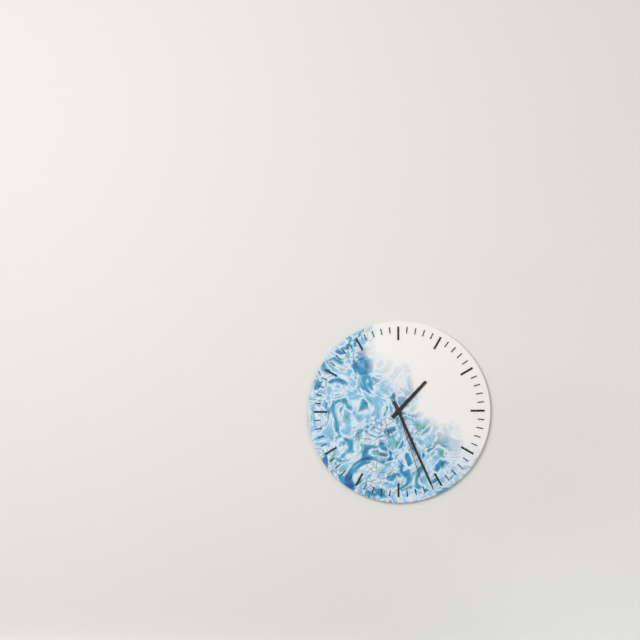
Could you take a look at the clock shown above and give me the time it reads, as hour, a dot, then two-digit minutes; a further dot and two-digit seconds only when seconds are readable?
1.26.27
